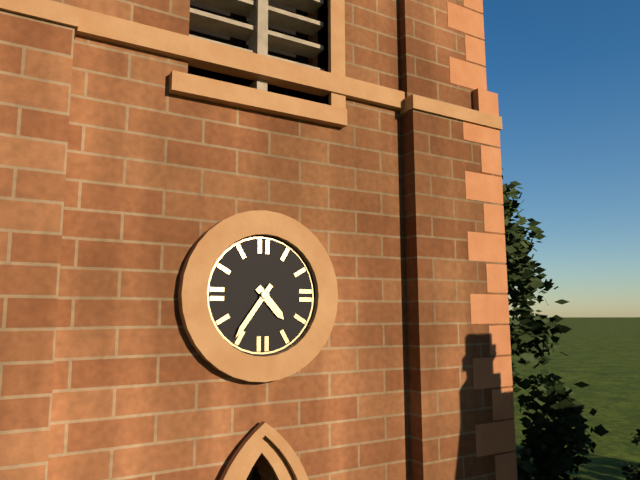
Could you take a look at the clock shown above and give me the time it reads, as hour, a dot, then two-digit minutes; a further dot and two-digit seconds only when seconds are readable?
4.36
